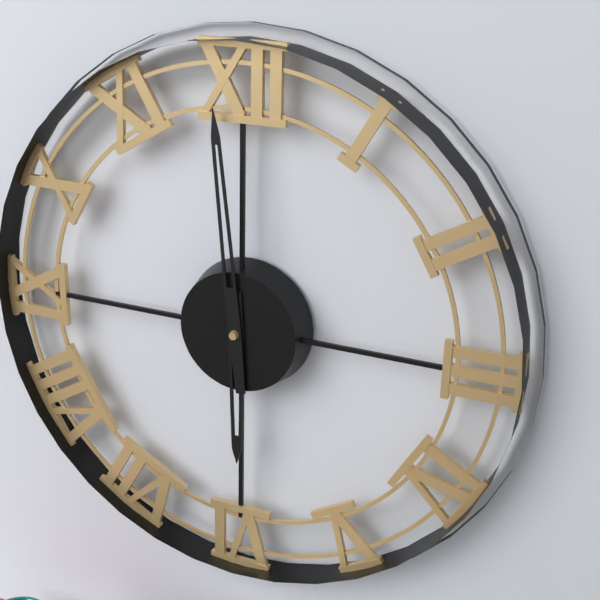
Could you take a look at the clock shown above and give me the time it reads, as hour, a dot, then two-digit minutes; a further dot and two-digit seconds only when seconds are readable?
5.59
